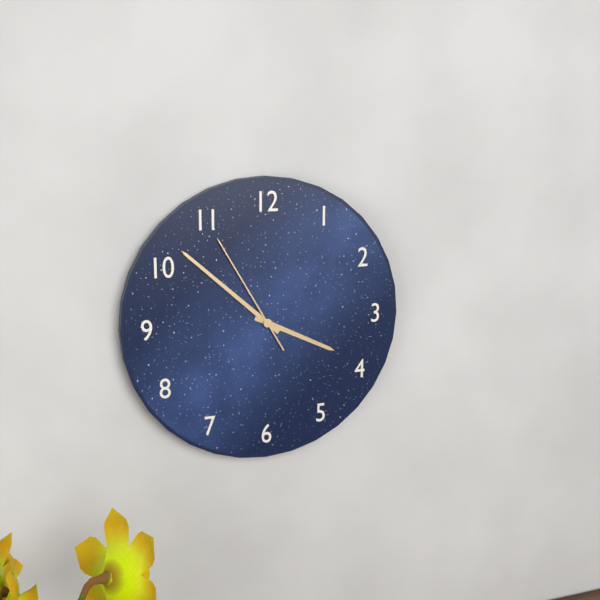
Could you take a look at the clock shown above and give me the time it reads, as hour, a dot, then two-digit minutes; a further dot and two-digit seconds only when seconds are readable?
3.52.55
